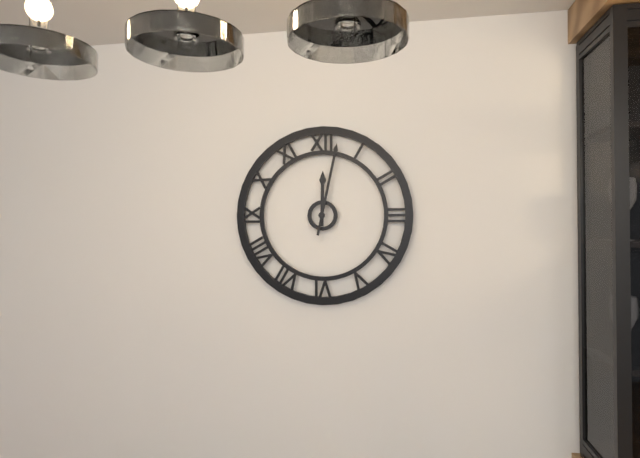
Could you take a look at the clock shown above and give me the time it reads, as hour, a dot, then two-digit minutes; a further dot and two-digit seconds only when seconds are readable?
12.02
